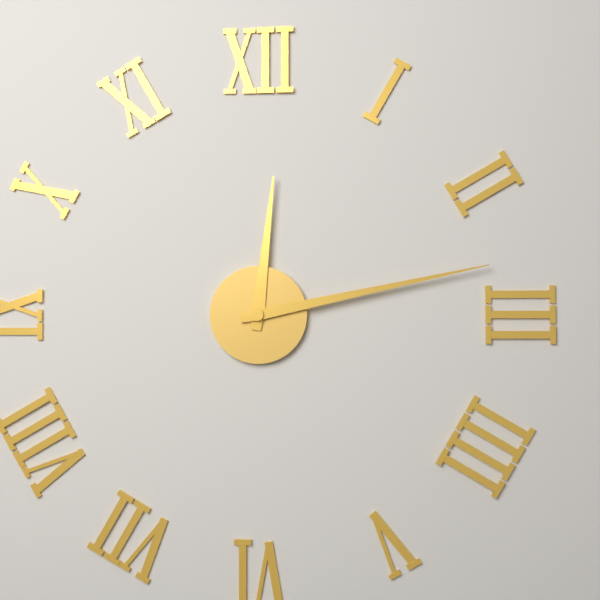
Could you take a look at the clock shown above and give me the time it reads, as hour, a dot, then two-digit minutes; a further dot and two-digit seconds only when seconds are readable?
12.13
